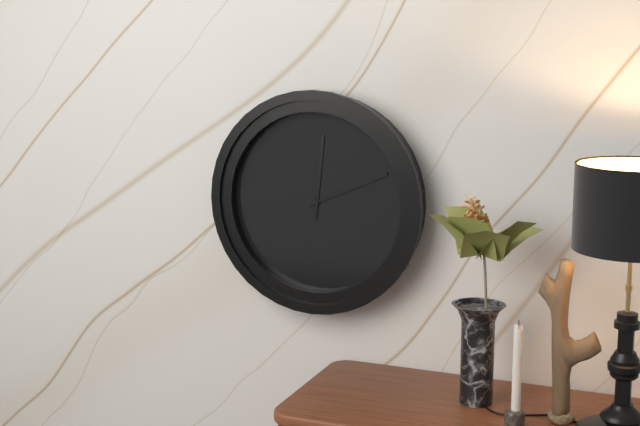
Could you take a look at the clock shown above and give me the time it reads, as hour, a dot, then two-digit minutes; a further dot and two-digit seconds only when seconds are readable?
12.11
